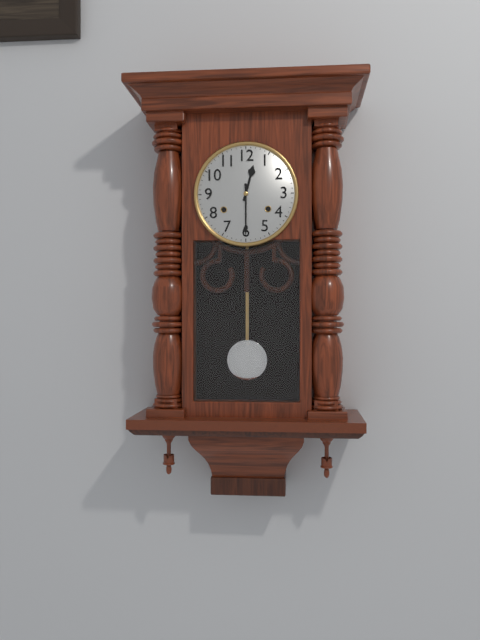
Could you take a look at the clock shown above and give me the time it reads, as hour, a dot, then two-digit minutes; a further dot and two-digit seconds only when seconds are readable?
12.30
